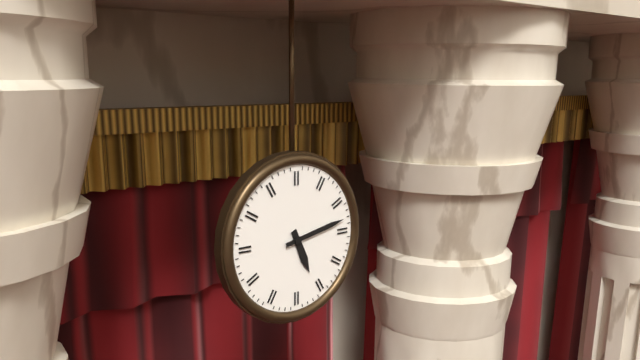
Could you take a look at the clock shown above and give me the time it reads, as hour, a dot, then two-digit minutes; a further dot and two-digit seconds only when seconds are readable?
5.13
